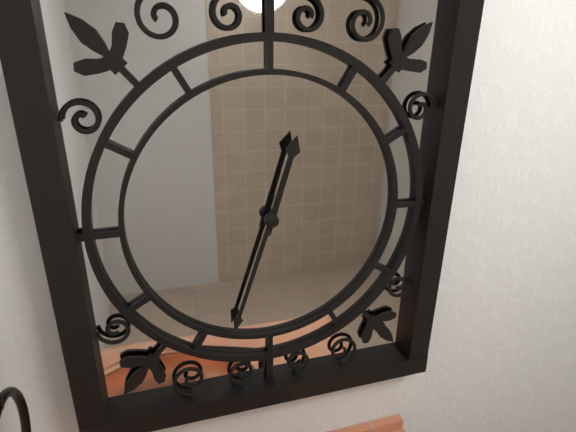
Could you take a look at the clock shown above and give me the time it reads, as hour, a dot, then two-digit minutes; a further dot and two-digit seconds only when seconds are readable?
12.33
